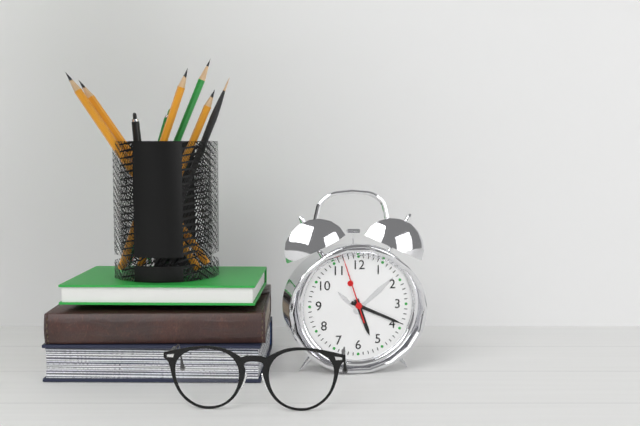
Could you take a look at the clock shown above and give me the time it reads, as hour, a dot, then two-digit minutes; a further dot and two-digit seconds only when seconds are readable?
5.19.57
